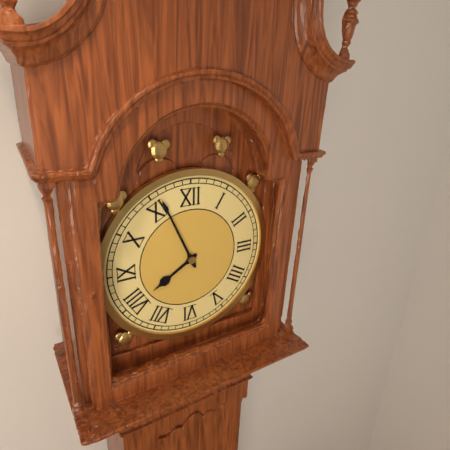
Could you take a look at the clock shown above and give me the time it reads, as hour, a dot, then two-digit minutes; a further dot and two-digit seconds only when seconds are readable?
7.56
